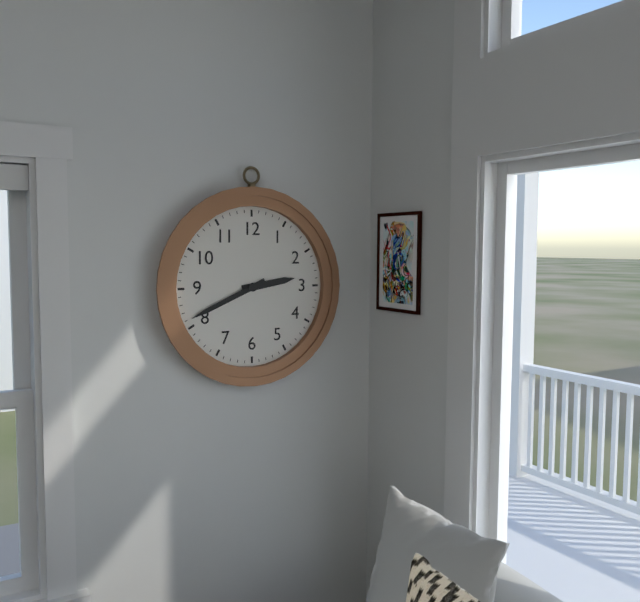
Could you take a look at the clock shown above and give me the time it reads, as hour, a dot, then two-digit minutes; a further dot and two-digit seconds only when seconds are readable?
2.41
